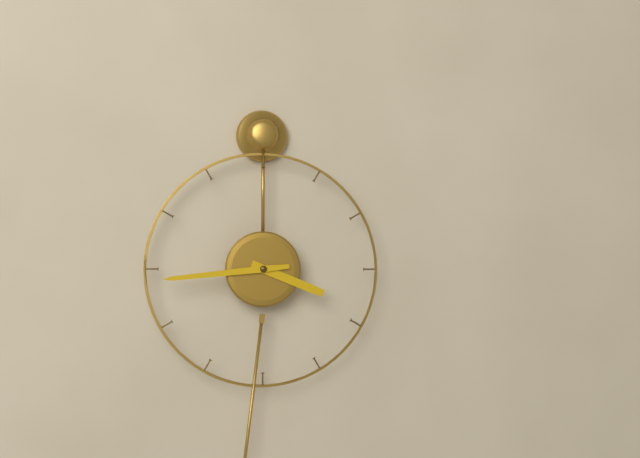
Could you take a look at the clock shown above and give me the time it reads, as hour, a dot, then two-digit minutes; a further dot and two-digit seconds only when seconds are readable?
3.44
